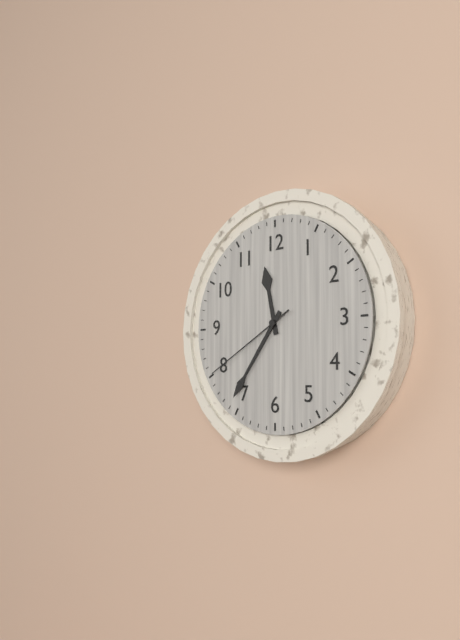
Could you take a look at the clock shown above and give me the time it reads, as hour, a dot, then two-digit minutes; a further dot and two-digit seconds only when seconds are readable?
11.36.40
